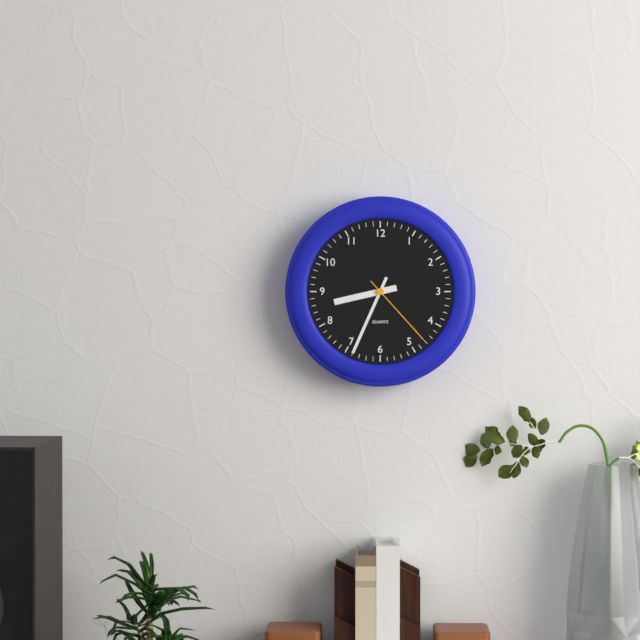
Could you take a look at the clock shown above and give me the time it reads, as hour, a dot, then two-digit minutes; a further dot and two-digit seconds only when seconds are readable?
8.34.23
